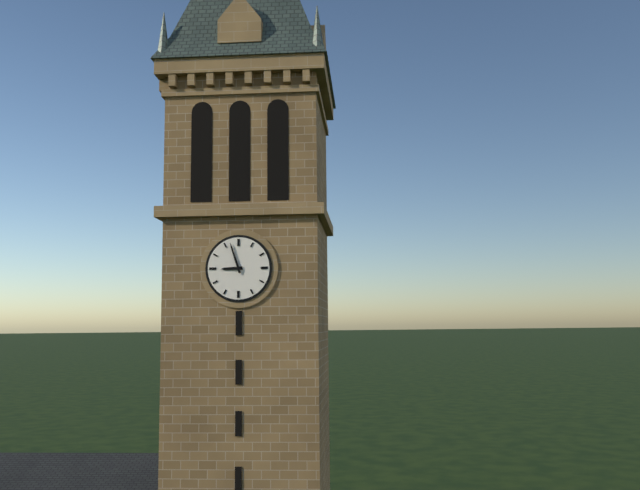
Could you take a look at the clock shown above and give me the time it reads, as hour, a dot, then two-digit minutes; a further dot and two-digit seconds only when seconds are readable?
8.57
